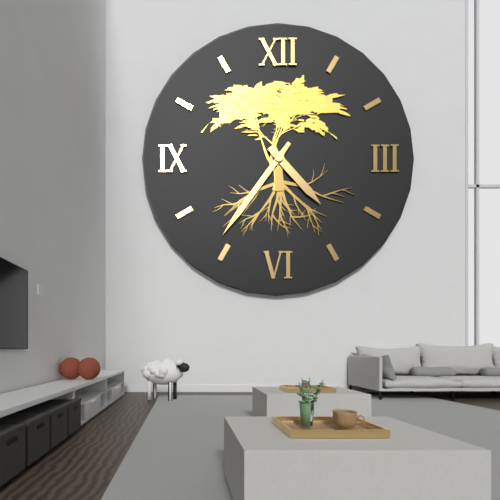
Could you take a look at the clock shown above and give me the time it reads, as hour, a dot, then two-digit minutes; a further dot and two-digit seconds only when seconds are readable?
4.36
